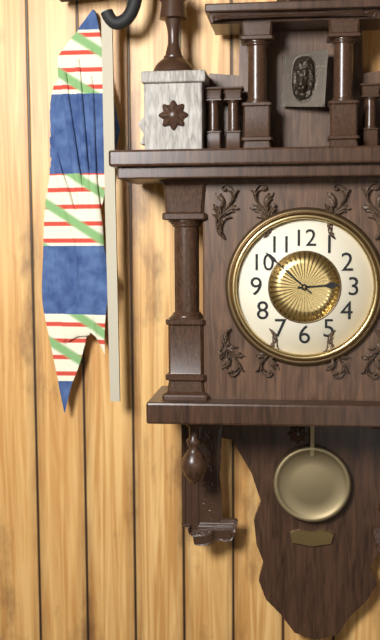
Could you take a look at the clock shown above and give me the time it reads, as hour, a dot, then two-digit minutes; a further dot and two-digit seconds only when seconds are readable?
2.52
